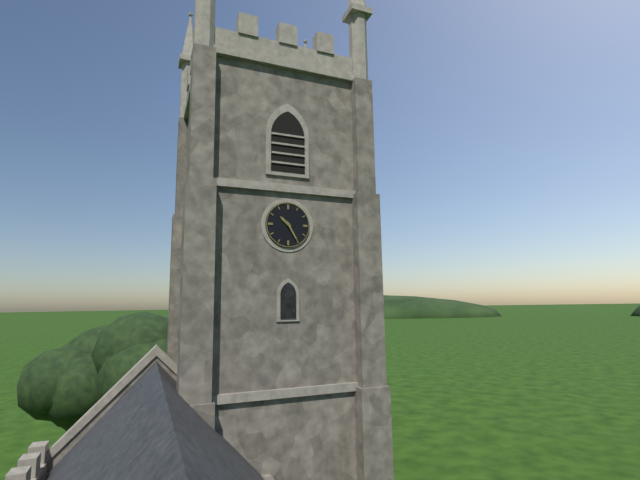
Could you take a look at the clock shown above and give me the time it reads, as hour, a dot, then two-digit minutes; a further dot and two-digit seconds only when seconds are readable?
10.25
